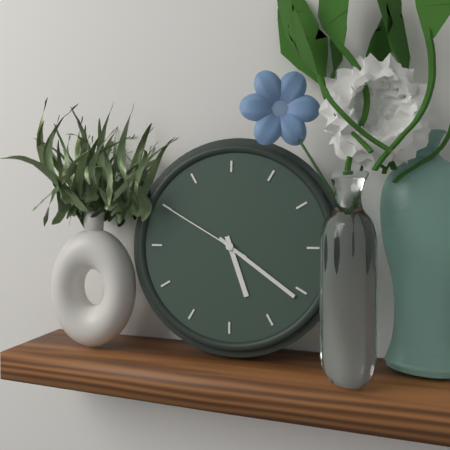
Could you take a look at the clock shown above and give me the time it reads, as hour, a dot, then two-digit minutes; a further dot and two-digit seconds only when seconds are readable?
5.21.50
